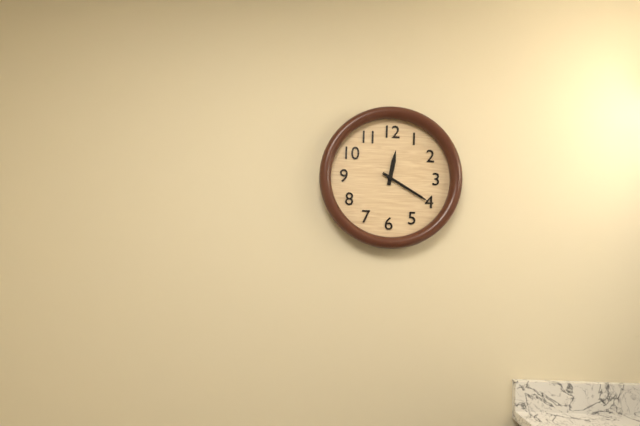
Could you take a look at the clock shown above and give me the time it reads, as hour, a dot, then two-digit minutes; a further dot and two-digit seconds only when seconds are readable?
12.20
